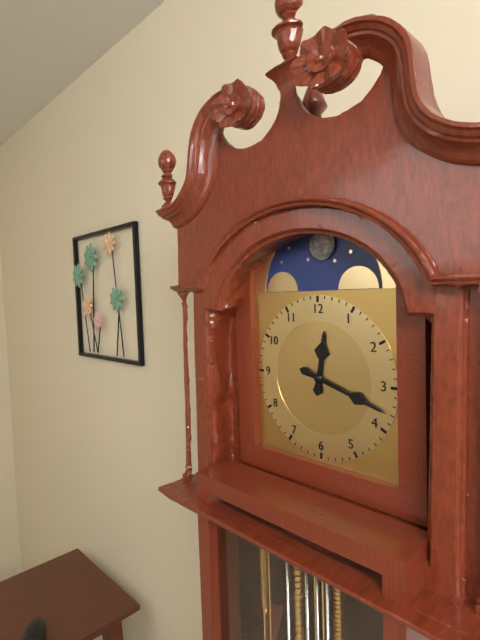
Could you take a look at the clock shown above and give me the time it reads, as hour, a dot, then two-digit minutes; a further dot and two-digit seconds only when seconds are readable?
12.18
